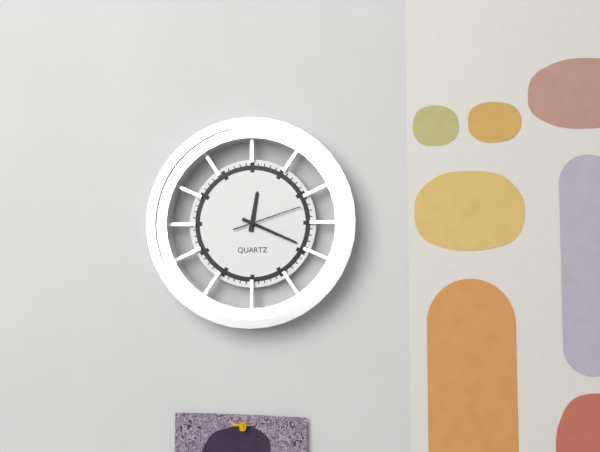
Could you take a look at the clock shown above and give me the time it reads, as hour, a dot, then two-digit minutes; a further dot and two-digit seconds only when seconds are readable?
12.19.12
